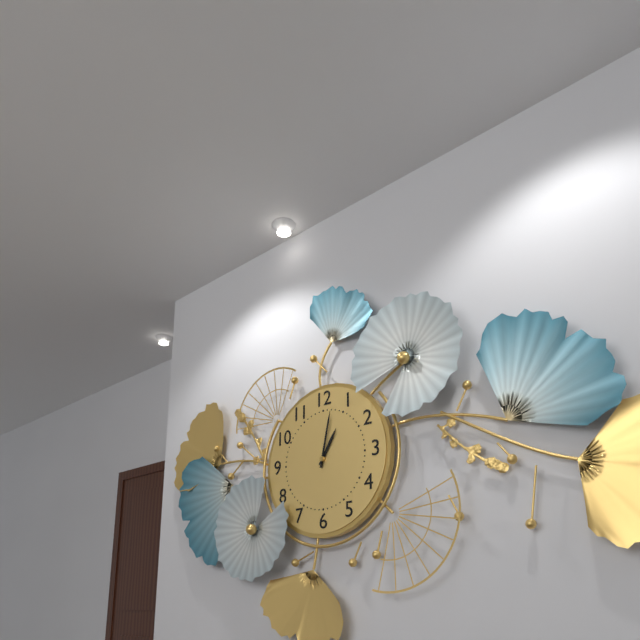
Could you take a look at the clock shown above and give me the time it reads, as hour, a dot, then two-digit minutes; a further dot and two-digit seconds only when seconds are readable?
1.02
